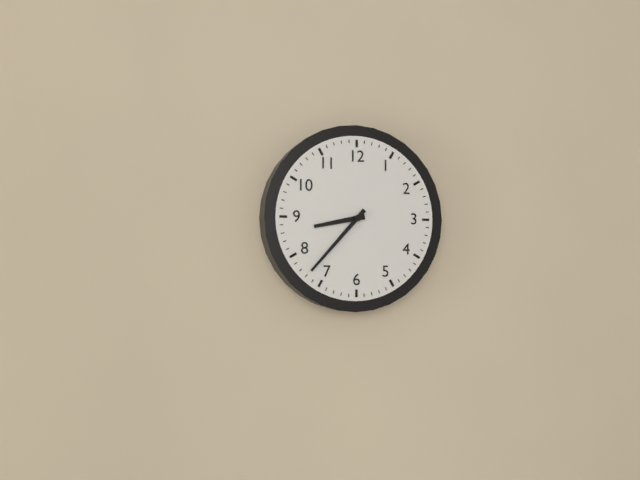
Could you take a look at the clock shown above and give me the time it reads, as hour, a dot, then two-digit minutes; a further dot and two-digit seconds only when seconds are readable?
8.37
